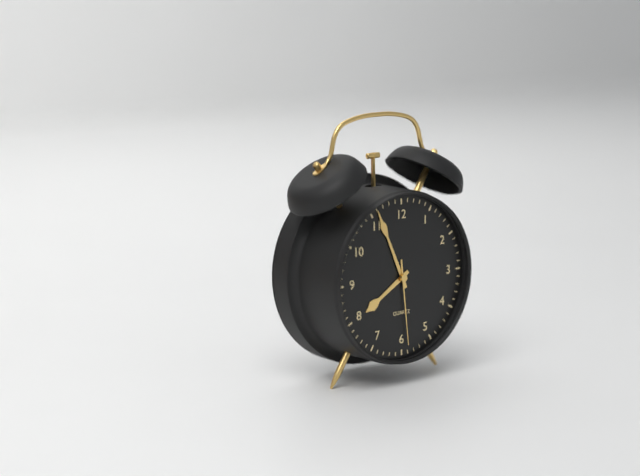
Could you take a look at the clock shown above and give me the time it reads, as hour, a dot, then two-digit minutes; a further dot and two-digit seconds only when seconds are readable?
7.56.29
